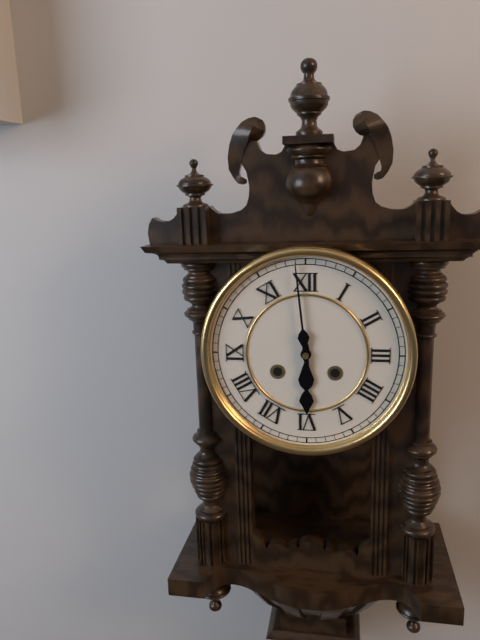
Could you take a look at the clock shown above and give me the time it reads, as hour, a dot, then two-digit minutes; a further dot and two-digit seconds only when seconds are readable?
5.59
